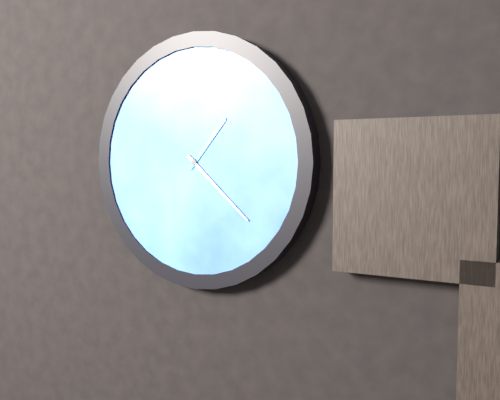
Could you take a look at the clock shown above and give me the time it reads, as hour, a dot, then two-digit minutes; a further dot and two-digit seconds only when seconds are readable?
1.22
